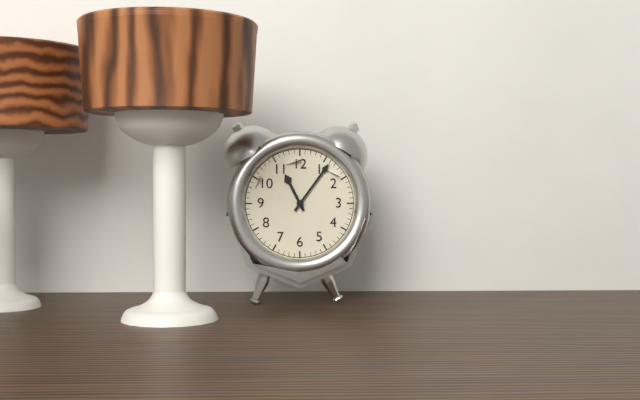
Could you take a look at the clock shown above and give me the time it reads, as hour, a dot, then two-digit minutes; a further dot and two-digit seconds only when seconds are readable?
11.06
